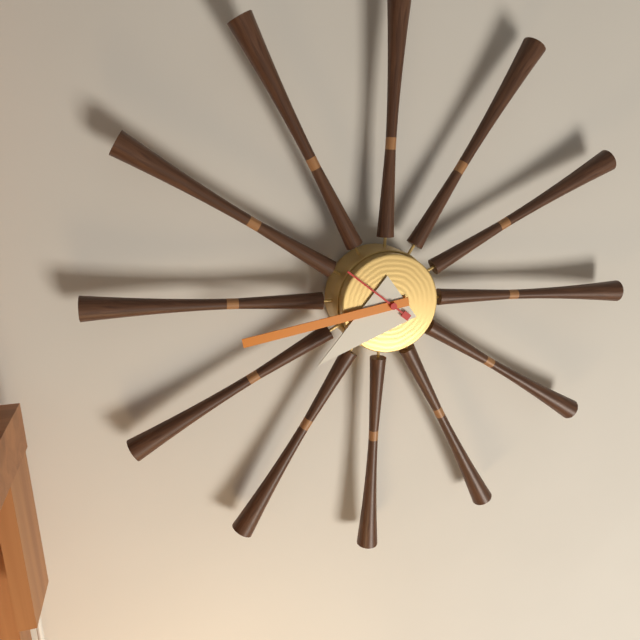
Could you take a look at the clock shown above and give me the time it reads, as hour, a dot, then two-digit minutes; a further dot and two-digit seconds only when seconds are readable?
7.43
